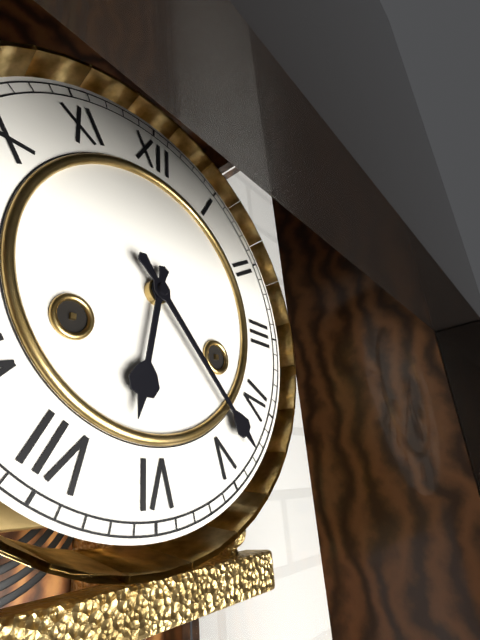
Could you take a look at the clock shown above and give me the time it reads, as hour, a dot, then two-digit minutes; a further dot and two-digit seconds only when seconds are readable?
6.23
